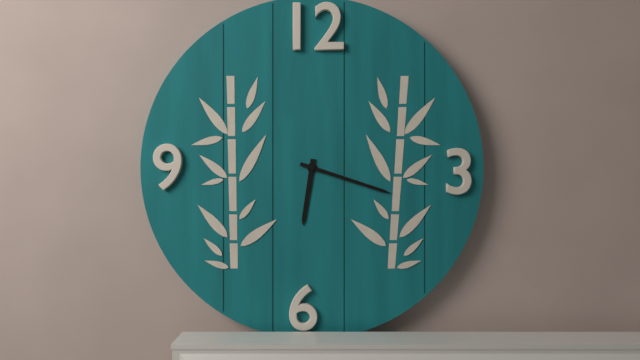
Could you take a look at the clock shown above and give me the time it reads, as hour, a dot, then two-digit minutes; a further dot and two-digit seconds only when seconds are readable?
6.18
